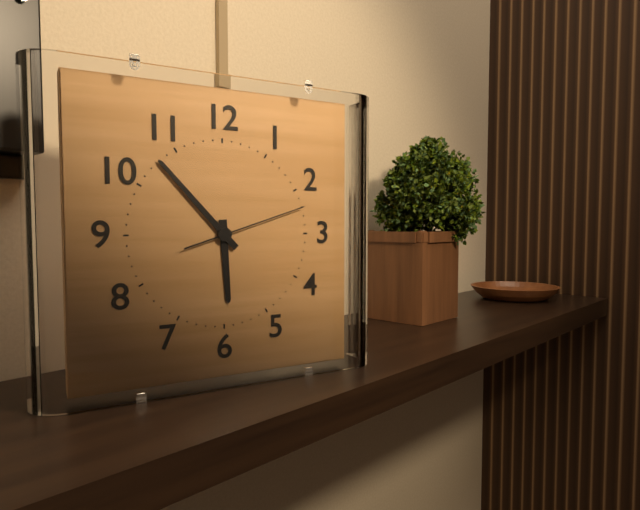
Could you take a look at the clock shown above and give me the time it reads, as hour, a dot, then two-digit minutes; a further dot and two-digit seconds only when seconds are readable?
5.53.12
